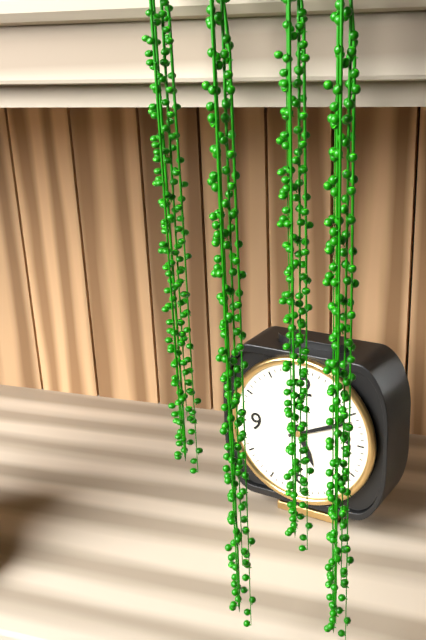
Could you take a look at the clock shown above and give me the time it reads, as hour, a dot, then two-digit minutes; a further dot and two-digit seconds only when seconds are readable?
5.11
